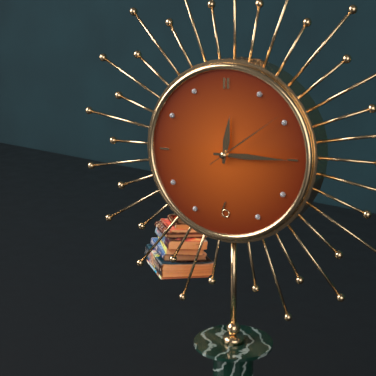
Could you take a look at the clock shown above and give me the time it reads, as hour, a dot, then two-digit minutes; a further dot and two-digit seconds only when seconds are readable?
12.15.09
